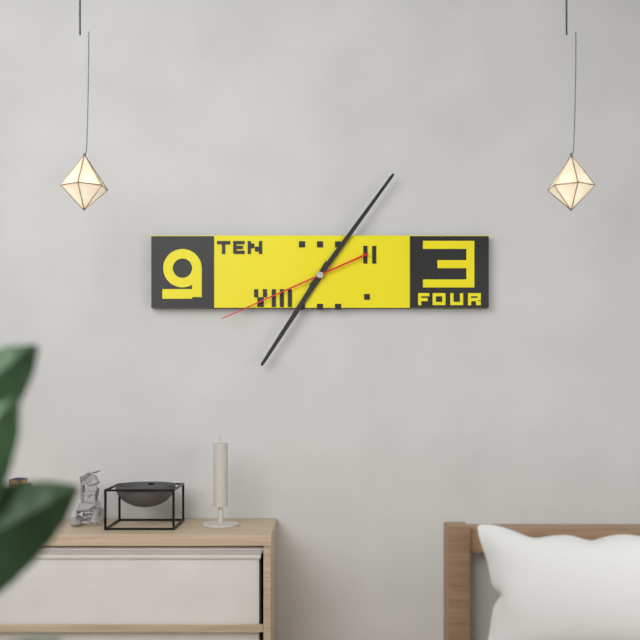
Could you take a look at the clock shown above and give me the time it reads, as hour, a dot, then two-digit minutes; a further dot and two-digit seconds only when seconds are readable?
7.06.41
